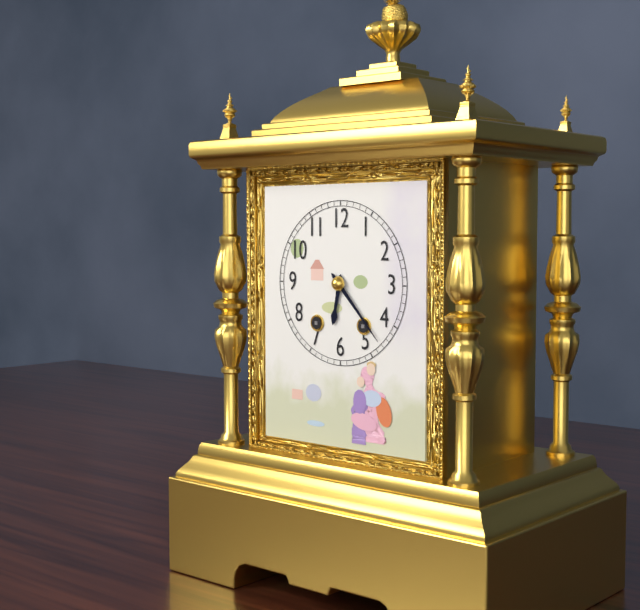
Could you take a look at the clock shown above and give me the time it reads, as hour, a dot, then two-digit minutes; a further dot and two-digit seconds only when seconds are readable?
6.23
